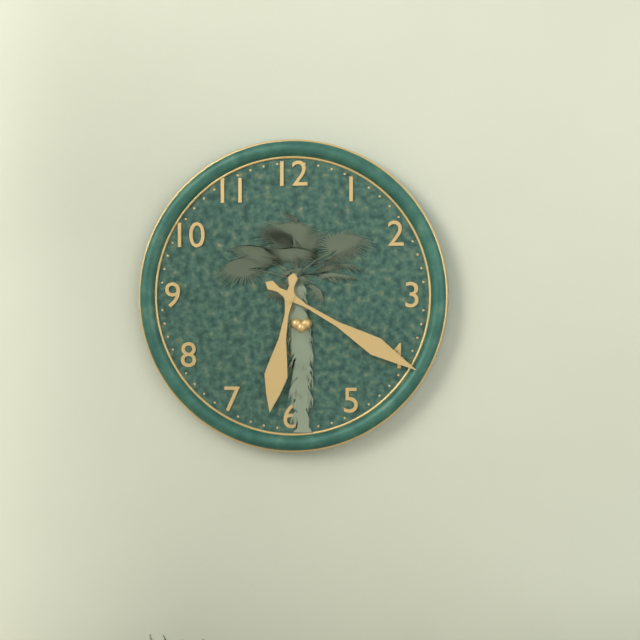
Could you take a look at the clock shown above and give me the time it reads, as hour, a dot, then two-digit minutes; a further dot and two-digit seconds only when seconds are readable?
6.20
